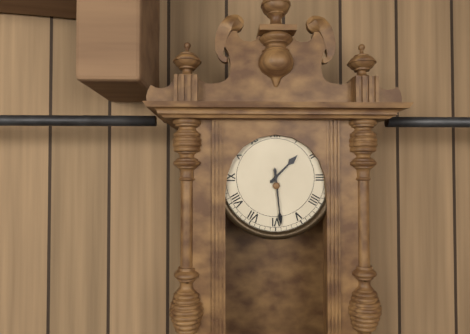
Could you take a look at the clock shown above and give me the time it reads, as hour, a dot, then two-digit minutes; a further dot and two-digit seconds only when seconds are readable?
1.29
